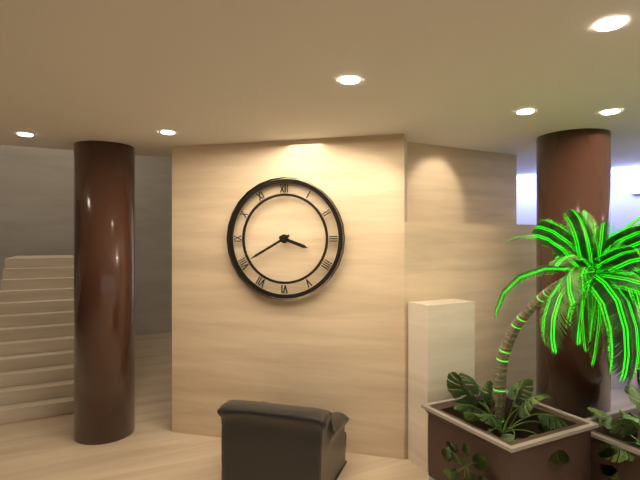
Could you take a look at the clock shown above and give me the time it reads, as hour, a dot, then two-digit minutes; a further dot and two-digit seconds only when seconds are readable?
3.40
